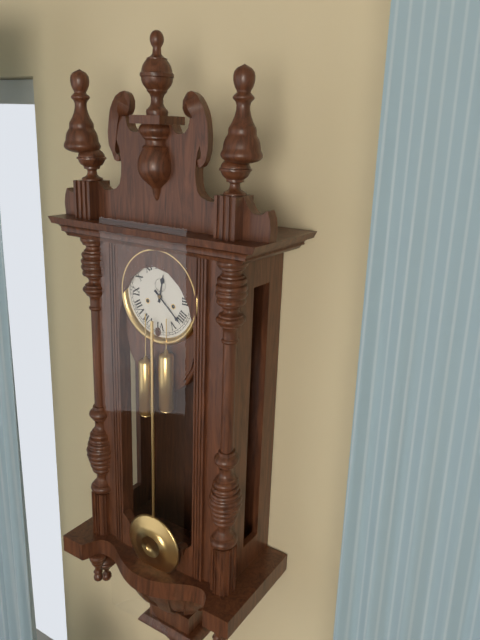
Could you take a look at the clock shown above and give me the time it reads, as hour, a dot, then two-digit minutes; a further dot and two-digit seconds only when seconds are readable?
12.22
